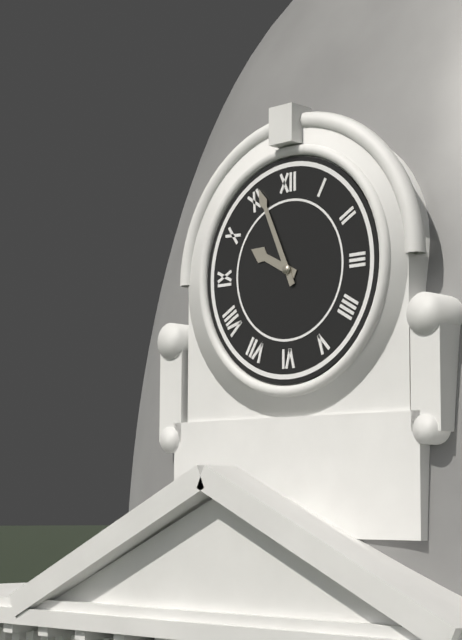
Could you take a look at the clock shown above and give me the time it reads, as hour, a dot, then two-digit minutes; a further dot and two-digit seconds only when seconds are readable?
9.56
